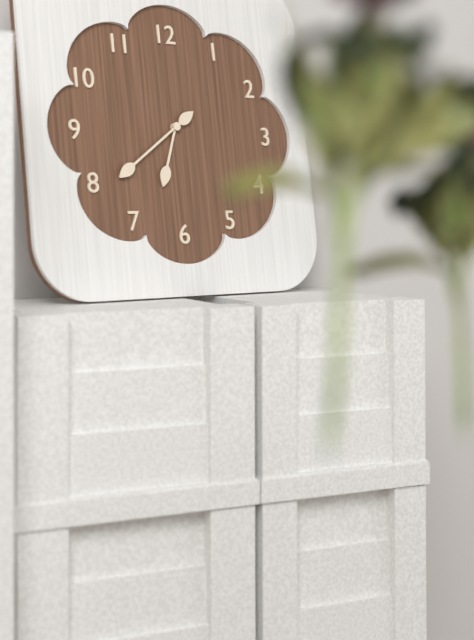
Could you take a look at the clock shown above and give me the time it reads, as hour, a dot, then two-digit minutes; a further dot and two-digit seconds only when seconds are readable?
6.39
